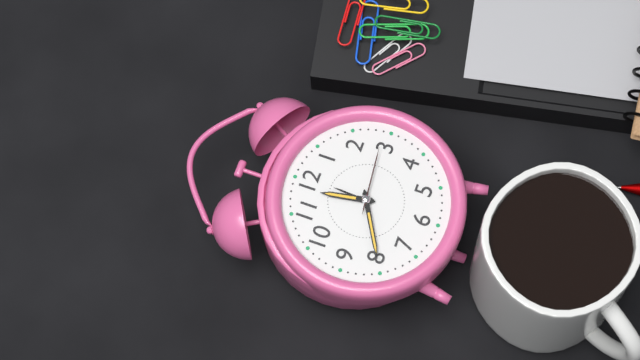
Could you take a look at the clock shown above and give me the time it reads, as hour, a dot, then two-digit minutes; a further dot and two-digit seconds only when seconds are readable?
11.40.14
